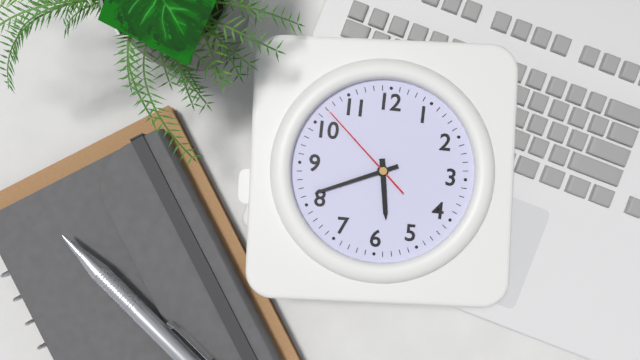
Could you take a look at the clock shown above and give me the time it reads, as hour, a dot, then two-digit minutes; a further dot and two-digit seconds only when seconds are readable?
5.41.52
